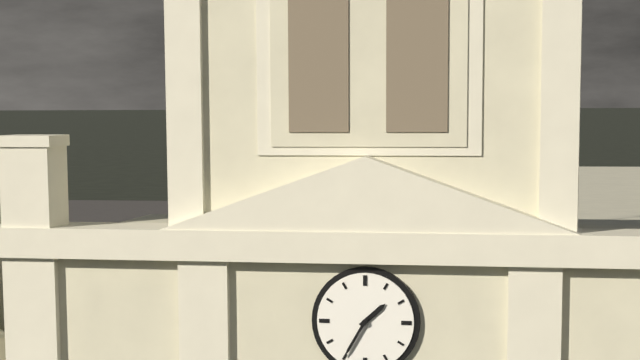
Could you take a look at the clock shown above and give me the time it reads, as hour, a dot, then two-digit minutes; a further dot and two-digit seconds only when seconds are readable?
1.35
